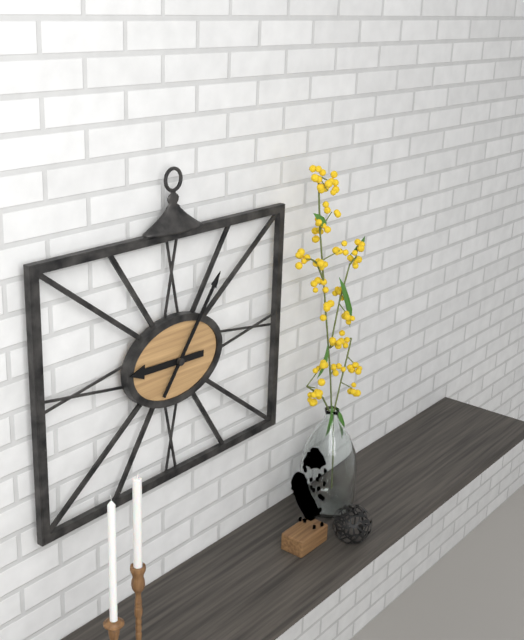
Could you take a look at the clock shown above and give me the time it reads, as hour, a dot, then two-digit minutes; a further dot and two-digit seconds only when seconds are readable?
9.06
